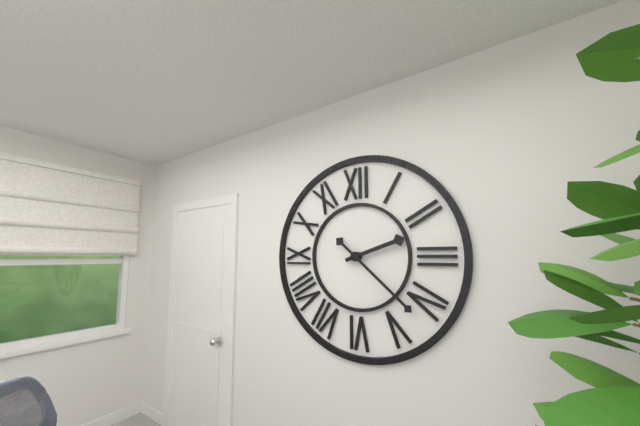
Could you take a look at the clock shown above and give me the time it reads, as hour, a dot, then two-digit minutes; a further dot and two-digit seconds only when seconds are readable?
2.22
